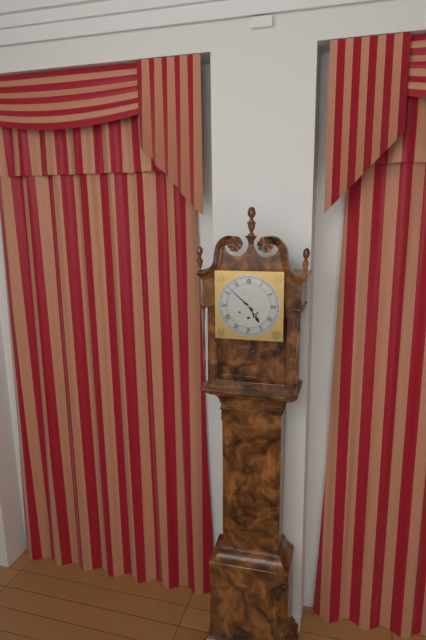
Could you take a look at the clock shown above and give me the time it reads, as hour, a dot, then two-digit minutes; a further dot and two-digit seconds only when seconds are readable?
4.52
